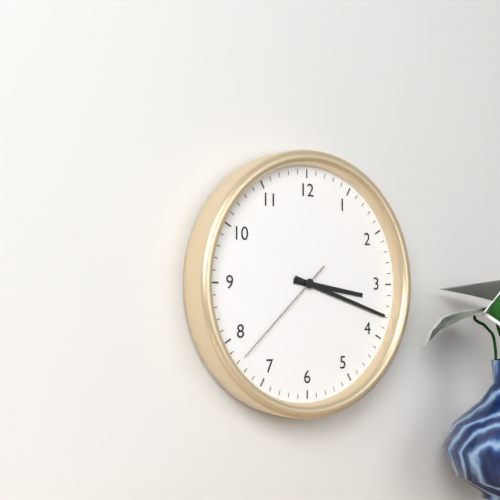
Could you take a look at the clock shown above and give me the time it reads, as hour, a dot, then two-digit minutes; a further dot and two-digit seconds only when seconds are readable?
3.18.38
